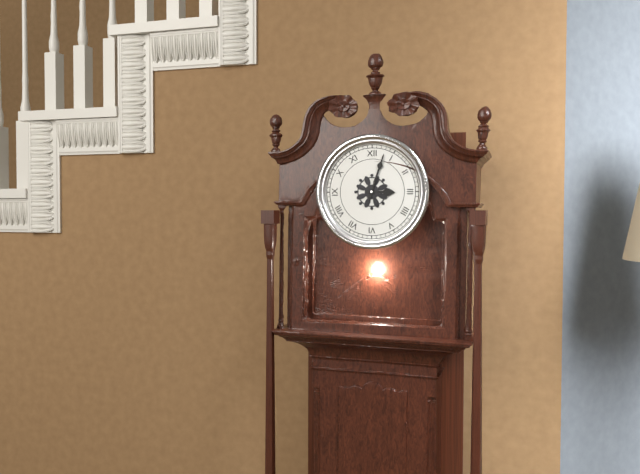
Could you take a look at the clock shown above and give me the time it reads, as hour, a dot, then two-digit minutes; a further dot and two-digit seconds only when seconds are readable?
3.03
